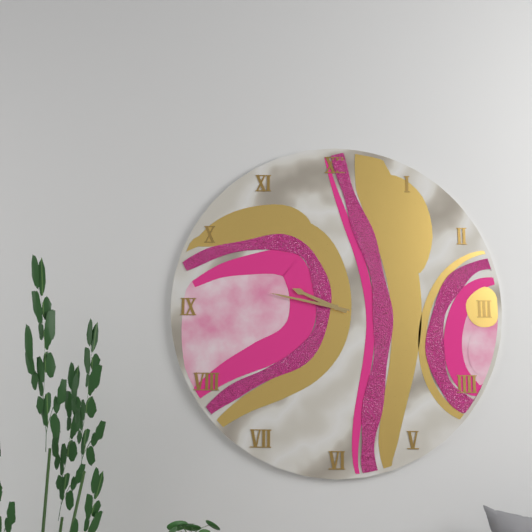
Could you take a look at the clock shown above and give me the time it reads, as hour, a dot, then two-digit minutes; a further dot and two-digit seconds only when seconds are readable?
9.47
